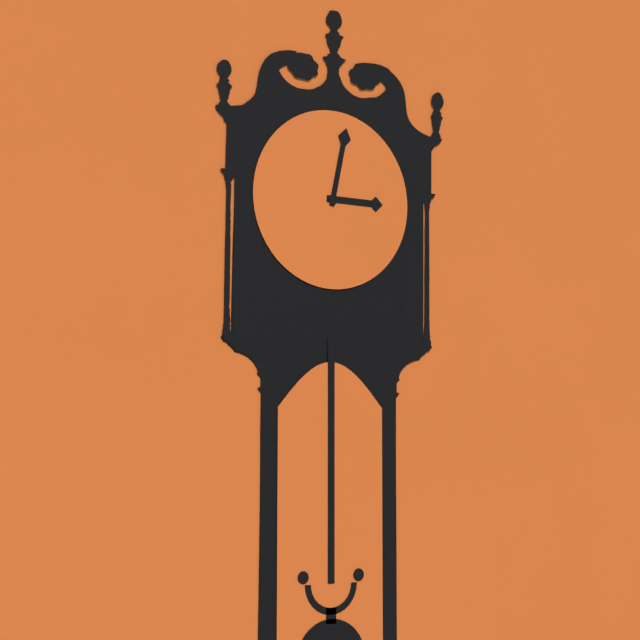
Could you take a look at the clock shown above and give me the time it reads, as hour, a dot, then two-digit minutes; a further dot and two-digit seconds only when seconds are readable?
3.02
